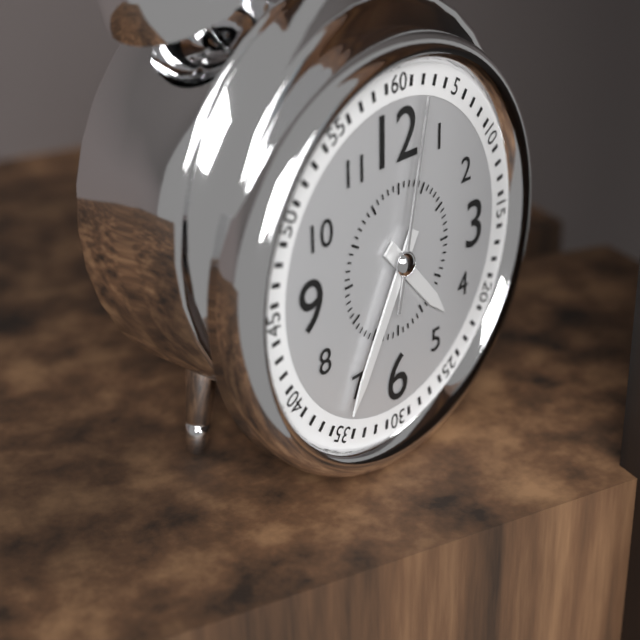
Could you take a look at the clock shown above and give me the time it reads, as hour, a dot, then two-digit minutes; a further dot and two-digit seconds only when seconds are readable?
4.35.02
